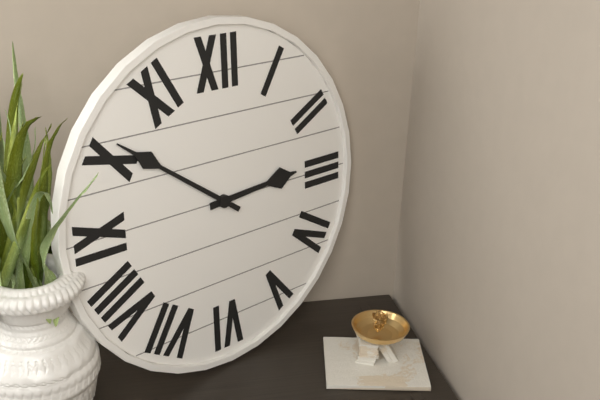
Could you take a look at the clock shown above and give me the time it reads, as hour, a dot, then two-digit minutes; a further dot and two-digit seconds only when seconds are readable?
2.51
